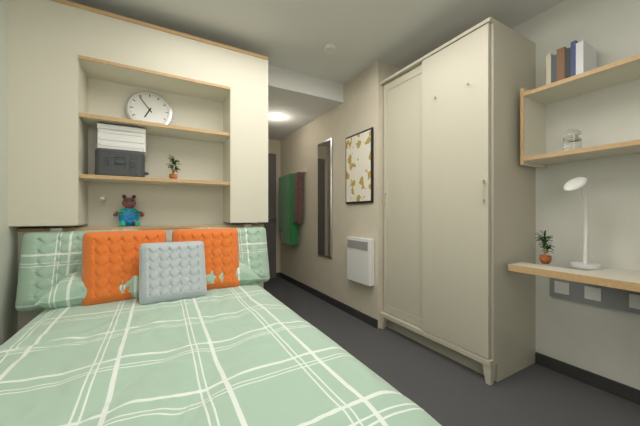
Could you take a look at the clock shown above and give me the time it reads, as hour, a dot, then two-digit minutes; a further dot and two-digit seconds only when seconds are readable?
6.54
